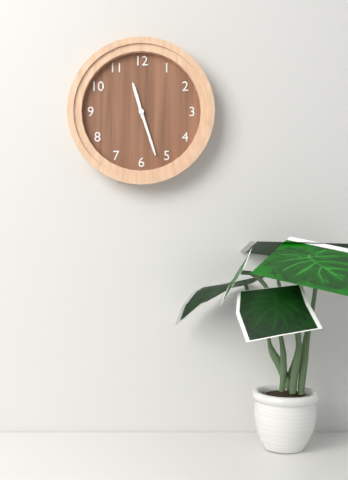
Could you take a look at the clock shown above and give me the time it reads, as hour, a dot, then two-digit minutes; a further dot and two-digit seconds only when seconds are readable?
11.27
